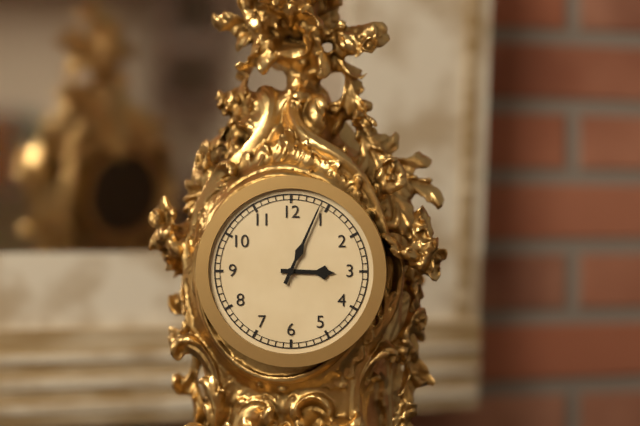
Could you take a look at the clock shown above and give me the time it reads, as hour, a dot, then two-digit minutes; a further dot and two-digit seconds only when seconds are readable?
3.04
